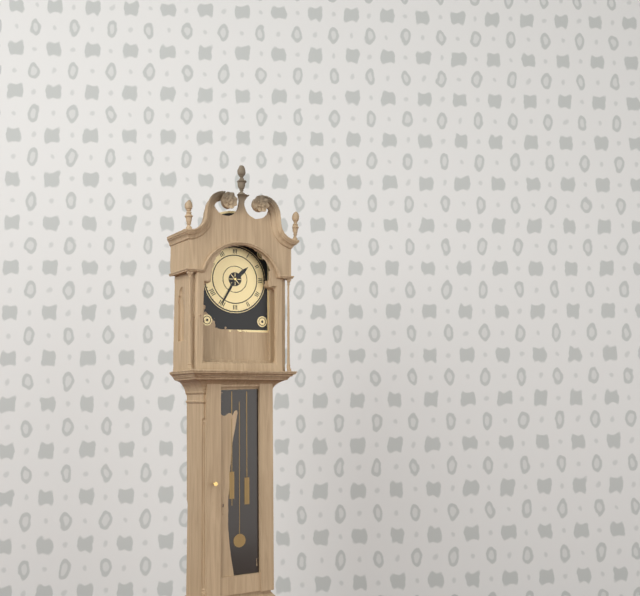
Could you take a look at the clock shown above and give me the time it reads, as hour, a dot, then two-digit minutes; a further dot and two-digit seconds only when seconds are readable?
1.35
